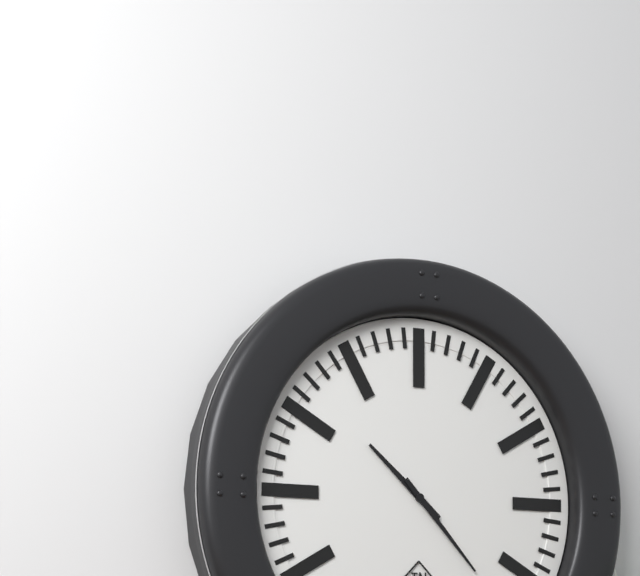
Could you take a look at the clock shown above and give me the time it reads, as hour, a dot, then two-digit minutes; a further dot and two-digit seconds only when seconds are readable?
10.23
